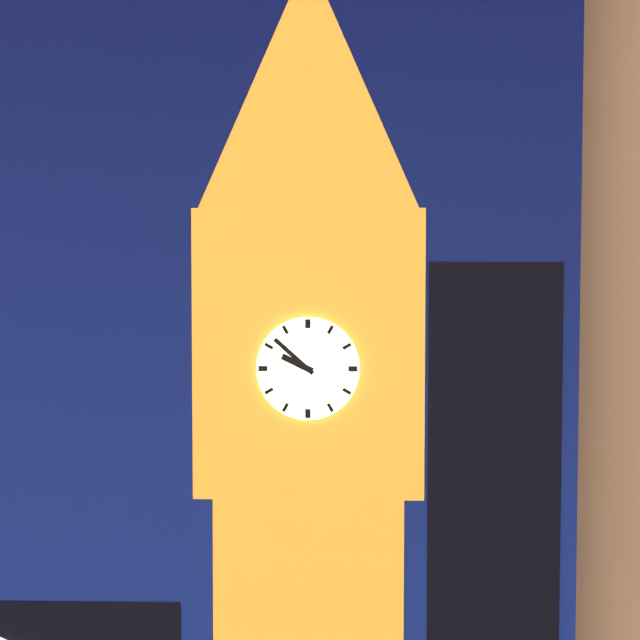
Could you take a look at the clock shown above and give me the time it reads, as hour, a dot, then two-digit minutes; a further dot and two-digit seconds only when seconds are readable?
9.52
